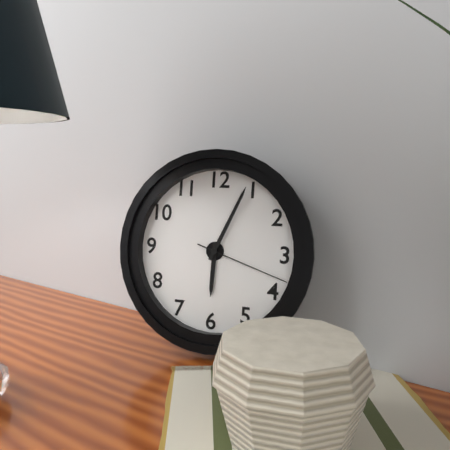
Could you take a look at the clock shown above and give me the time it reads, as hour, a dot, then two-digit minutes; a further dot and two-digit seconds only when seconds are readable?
6.04.18
